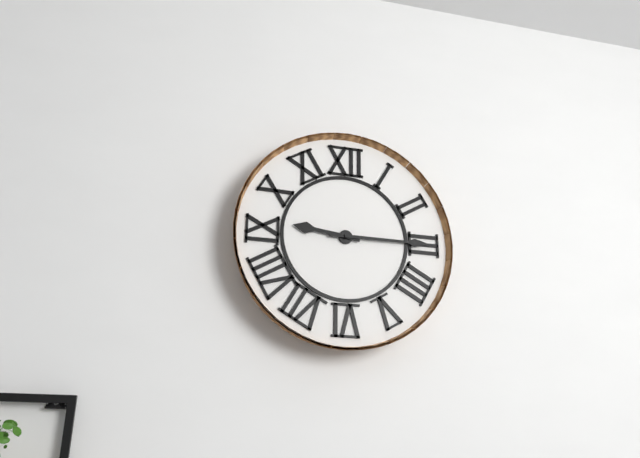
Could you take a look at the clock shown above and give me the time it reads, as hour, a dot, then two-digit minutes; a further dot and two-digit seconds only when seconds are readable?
9.15
